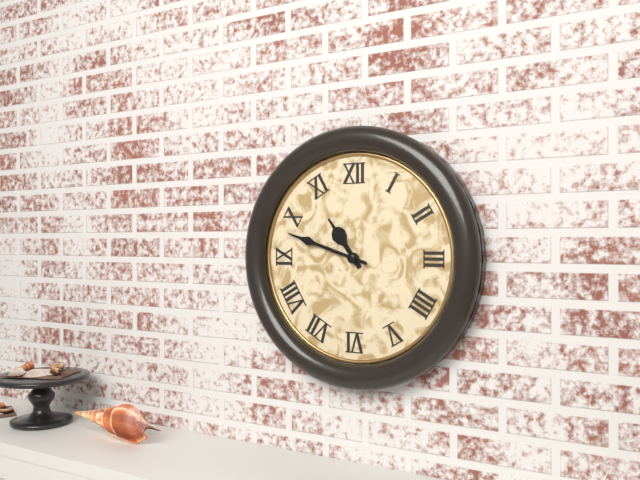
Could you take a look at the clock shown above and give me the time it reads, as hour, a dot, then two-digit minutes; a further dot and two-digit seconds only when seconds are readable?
10.48
